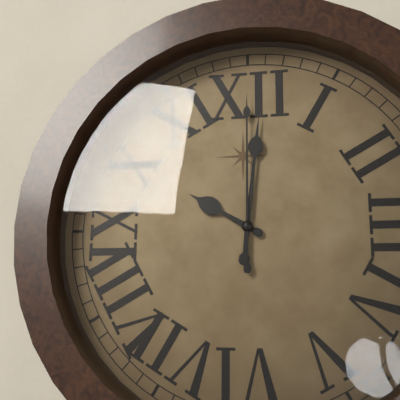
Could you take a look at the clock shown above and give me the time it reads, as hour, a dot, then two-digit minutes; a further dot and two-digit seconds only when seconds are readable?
10.01.00
